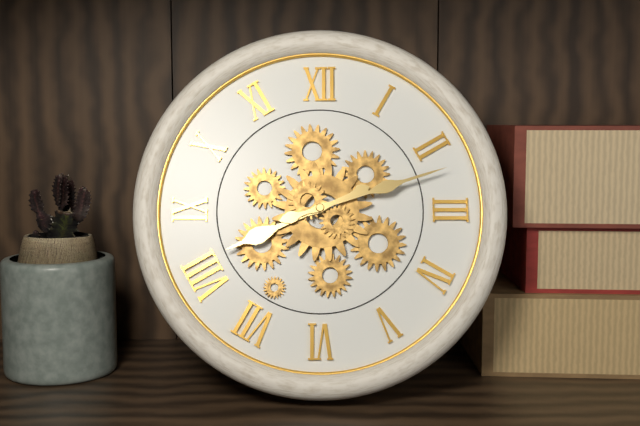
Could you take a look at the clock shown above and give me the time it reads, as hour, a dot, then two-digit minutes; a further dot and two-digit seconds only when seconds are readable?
8.12
